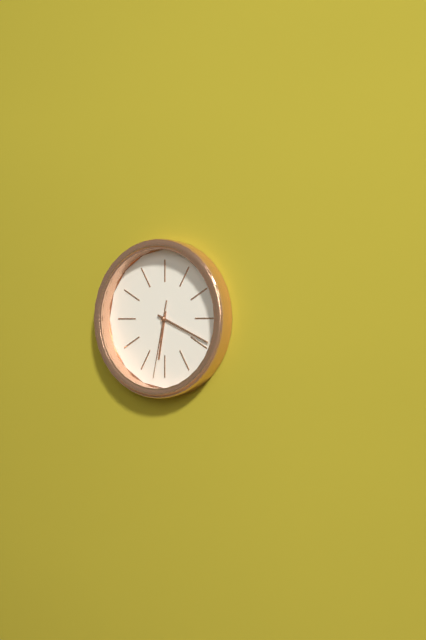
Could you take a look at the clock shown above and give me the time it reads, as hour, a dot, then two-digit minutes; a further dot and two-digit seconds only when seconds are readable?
6.19.32
